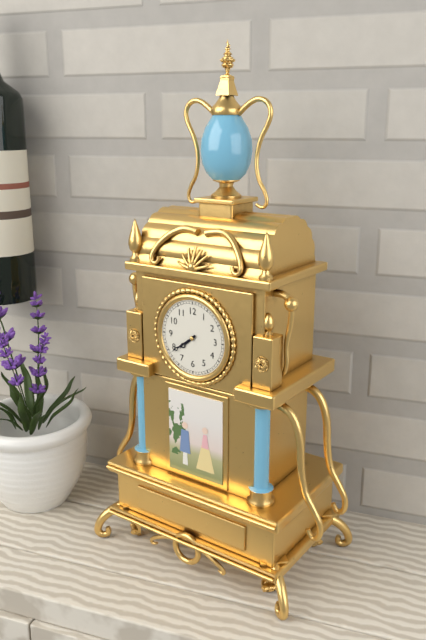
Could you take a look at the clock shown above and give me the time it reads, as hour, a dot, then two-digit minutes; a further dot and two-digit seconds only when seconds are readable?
7.39
